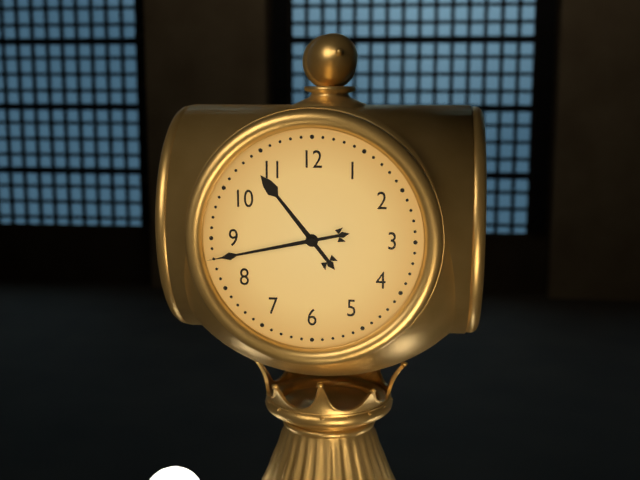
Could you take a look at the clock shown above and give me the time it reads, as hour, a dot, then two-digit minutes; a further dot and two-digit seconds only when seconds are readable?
10.43
